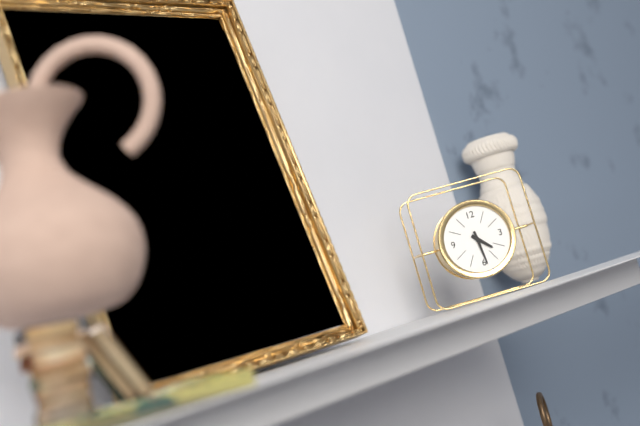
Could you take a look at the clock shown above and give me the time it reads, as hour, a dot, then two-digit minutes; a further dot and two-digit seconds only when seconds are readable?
4.29
